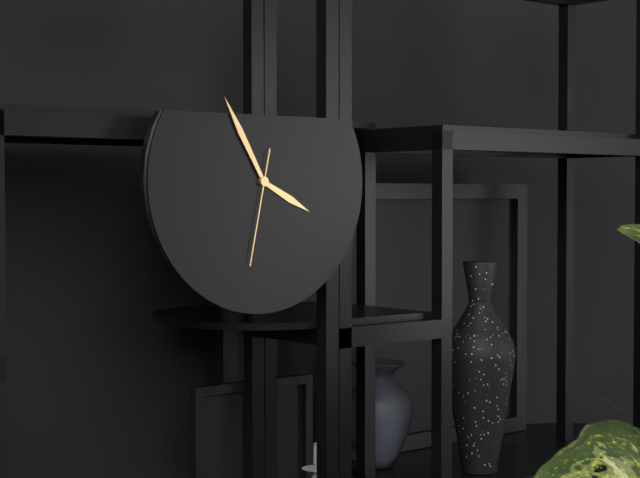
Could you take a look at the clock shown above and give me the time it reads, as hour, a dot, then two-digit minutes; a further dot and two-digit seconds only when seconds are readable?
3.55.32
